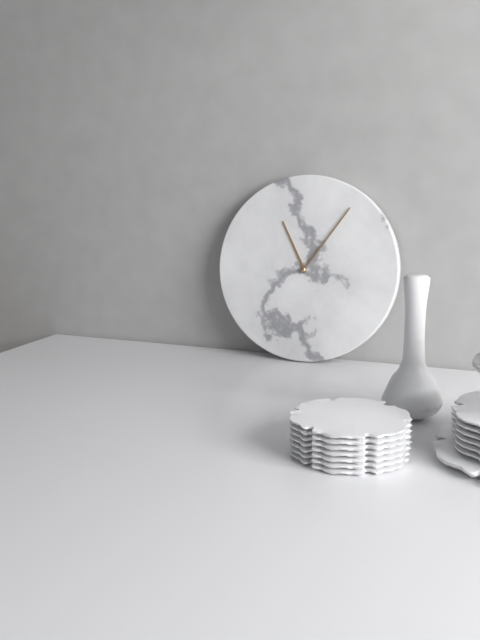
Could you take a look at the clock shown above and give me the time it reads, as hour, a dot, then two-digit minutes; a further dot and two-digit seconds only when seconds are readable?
11.06
